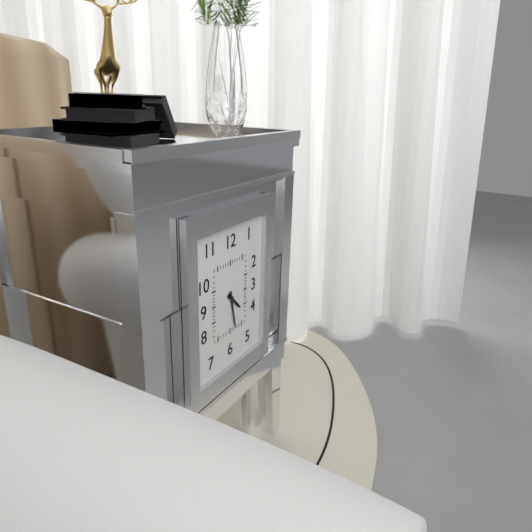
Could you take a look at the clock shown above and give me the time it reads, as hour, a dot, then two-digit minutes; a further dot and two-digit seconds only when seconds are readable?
4.28
